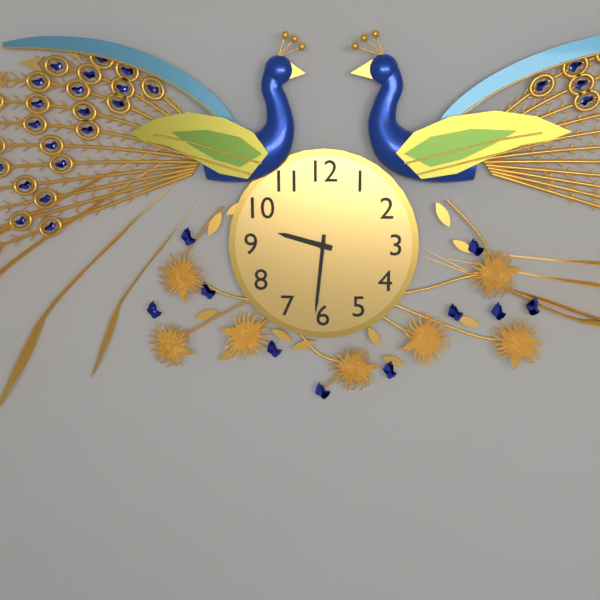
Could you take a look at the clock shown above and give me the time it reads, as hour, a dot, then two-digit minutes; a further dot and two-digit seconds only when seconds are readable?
9.31
